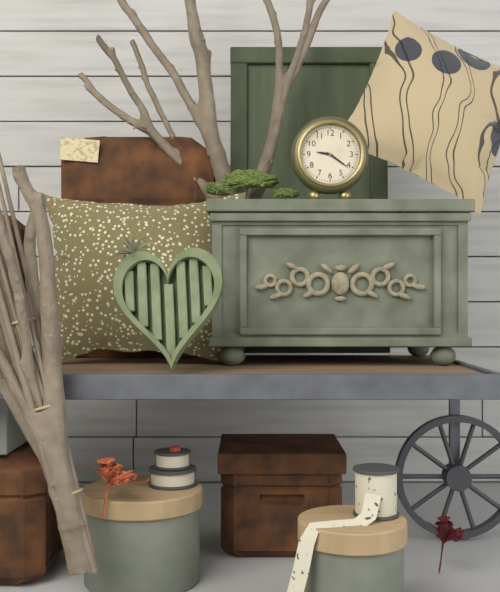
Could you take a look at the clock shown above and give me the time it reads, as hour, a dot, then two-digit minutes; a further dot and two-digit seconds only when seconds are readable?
9.21
